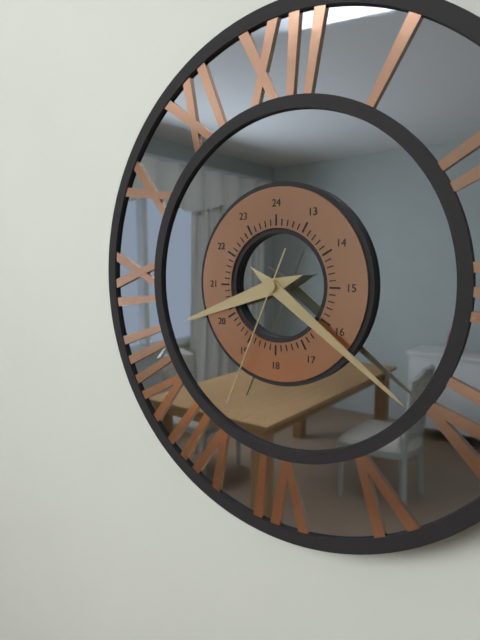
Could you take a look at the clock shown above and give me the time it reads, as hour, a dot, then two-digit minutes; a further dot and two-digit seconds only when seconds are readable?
8.21.34
